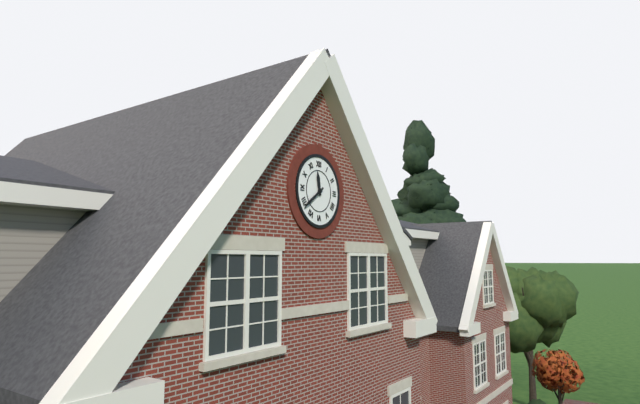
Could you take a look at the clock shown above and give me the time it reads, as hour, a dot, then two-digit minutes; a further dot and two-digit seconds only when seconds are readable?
11.39
